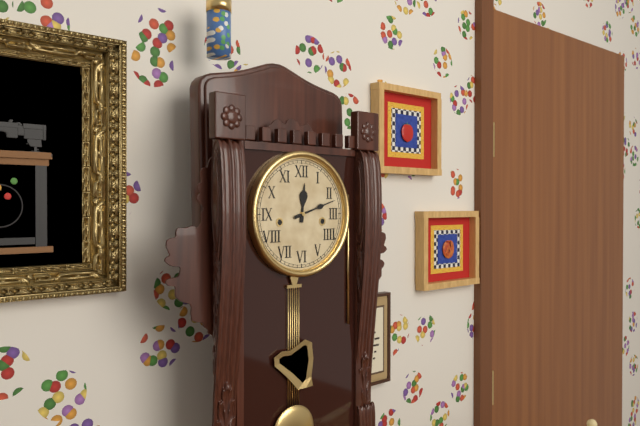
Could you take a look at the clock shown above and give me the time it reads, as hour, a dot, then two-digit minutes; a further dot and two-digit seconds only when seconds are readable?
12.12
